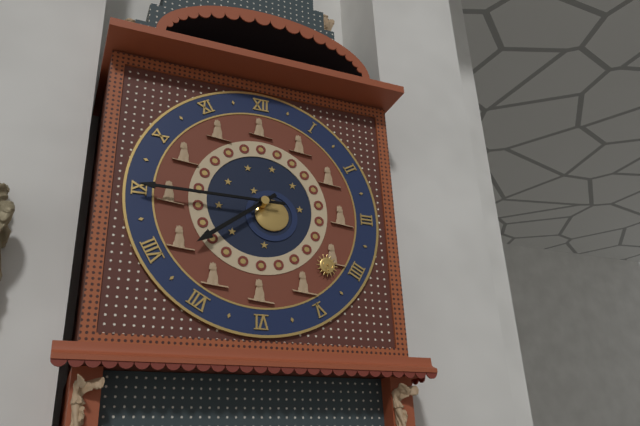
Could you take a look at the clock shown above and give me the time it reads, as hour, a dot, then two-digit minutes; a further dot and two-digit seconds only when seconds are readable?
7.45
